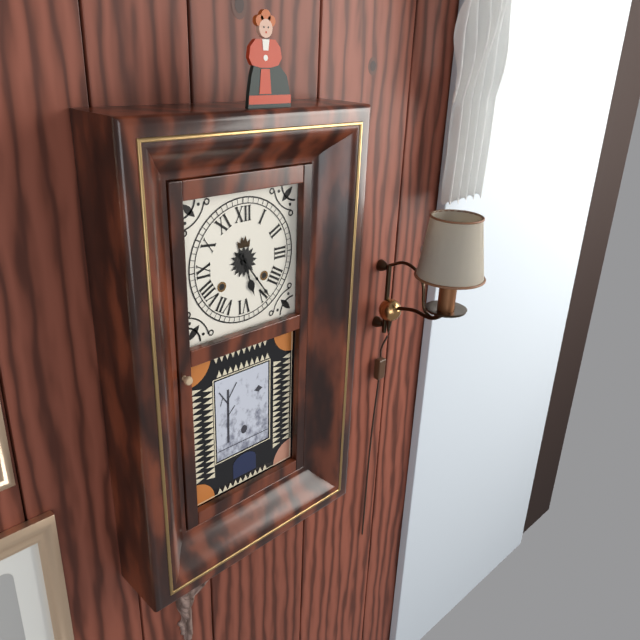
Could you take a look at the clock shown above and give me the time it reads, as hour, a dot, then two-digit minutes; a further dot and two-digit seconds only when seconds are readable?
5.24
